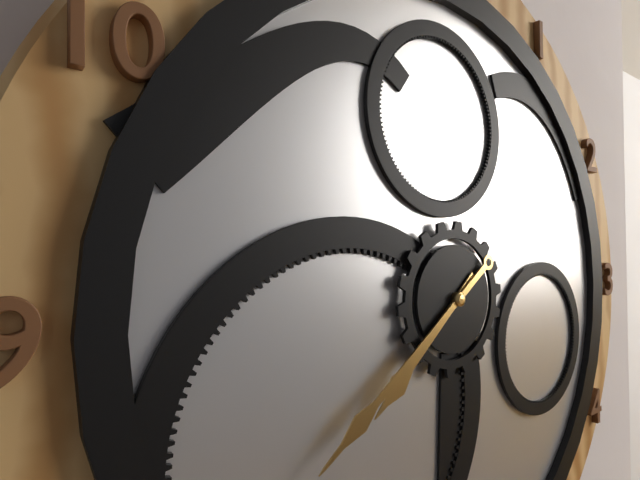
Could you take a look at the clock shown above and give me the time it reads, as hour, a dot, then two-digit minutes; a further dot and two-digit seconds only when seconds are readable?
7.39
